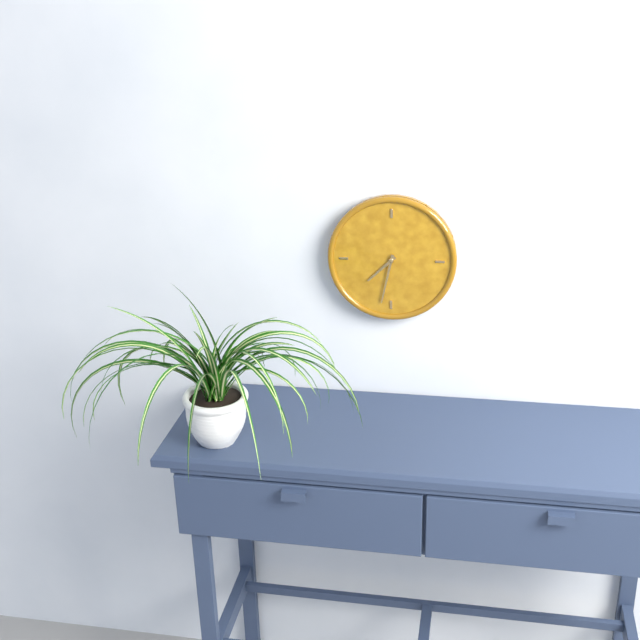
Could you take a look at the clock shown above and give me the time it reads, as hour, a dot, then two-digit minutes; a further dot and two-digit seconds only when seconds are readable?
7.32
